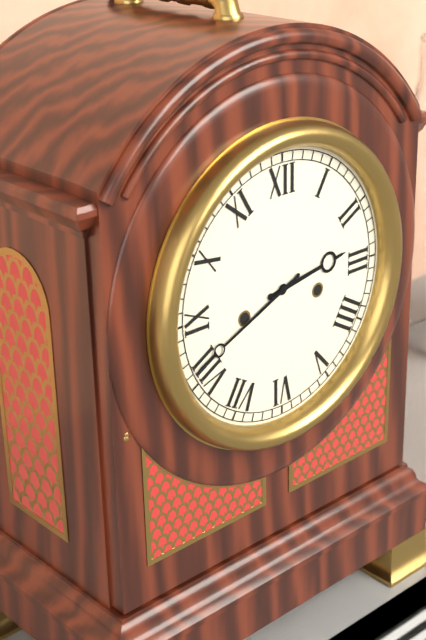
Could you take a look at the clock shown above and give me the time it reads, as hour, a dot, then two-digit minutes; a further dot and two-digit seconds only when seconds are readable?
2.41
